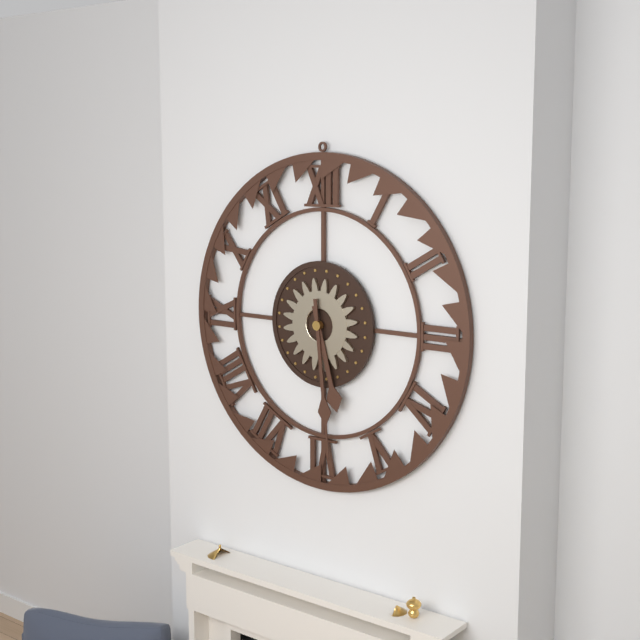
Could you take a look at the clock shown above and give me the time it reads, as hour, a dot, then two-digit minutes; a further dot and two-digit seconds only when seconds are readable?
5.29
